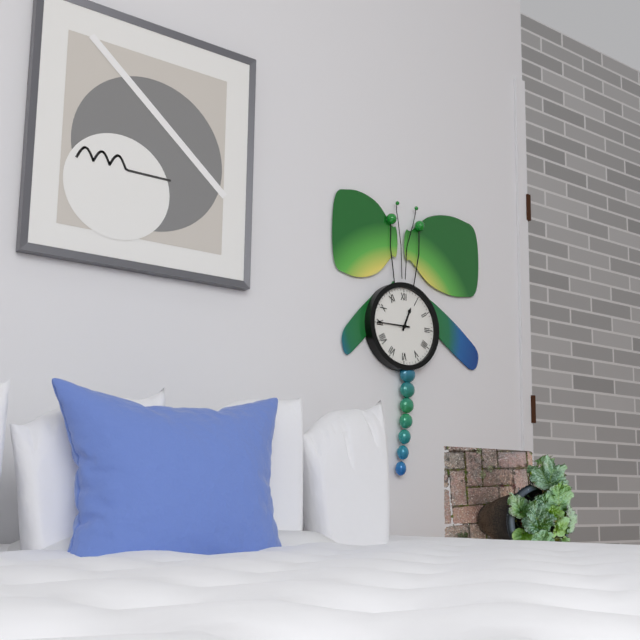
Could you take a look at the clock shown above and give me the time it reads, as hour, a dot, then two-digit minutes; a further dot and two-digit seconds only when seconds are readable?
12.45
